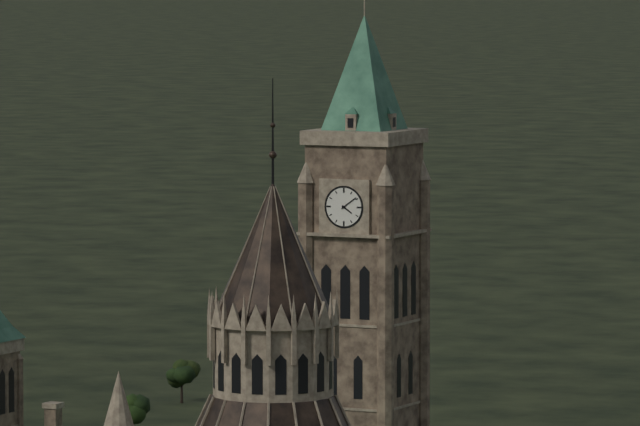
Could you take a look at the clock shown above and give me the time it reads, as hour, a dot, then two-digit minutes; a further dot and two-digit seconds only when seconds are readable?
4.09
